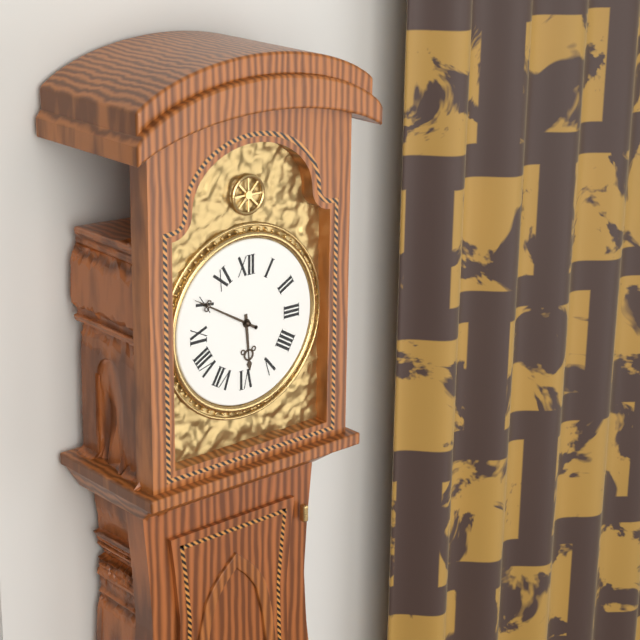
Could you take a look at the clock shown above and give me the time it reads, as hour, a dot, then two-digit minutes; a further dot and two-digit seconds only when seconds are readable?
5.50
